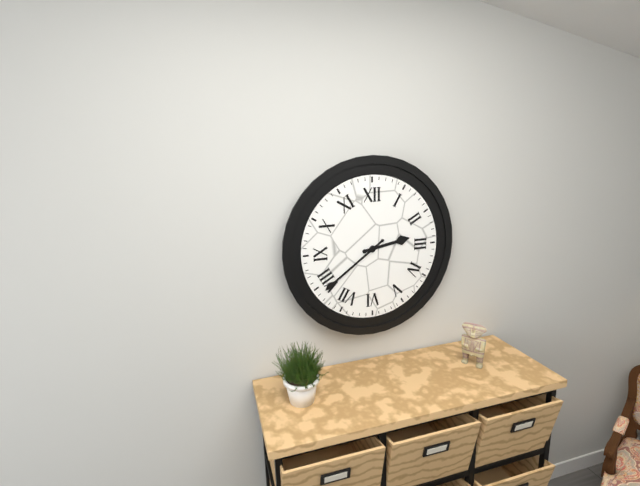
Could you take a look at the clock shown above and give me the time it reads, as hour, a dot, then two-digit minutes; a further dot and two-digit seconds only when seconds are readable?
2.39
